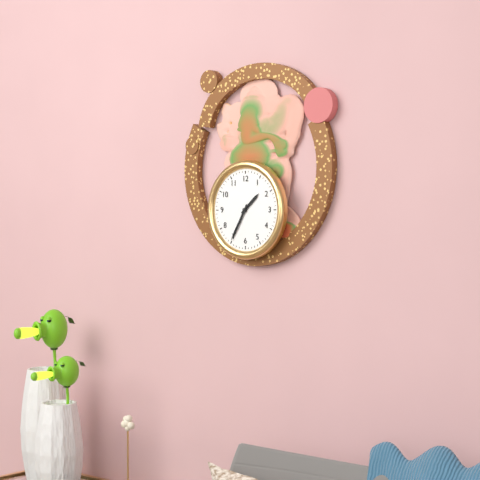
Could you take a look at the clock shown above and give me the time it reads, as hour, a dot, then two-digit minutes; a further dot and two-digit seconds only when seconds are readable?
1.35
